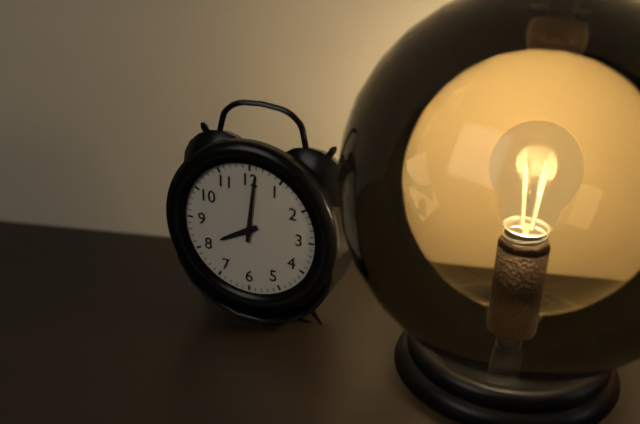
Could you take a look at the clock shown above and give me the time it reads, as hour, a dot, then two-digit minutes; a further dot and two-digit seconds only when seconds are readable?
8.01
